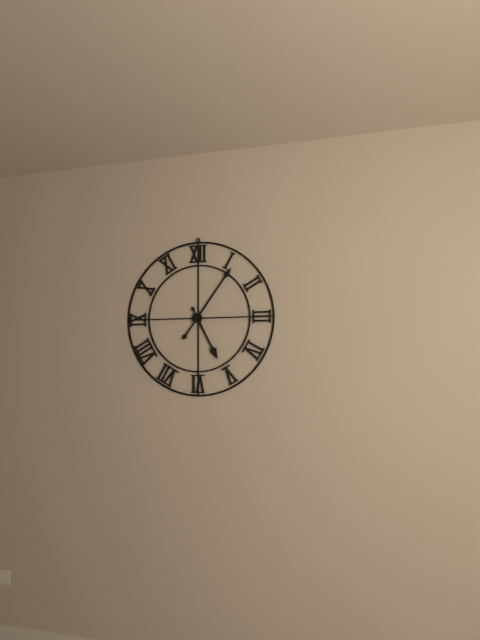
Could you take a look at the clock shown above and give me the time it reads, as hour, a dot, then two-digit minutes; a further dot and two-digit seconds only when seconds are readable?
5.06
